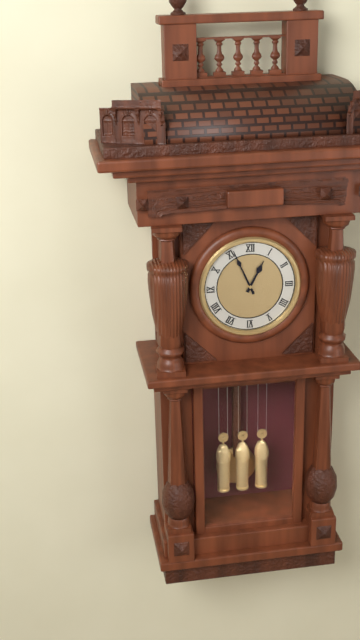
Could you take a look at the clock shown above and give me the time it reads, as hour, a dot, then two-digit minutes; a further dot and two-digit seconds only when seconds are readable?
12.56
